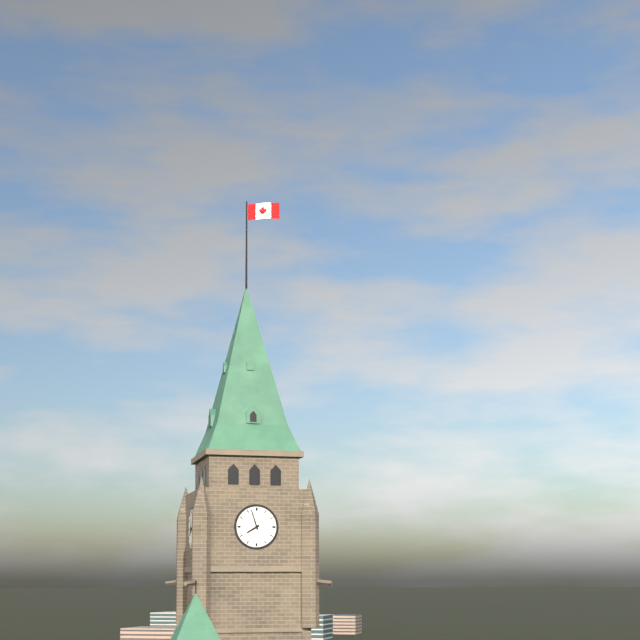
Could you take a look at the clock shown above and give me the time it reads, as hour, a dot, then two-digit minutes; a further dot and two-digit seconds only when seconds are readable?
7.57
